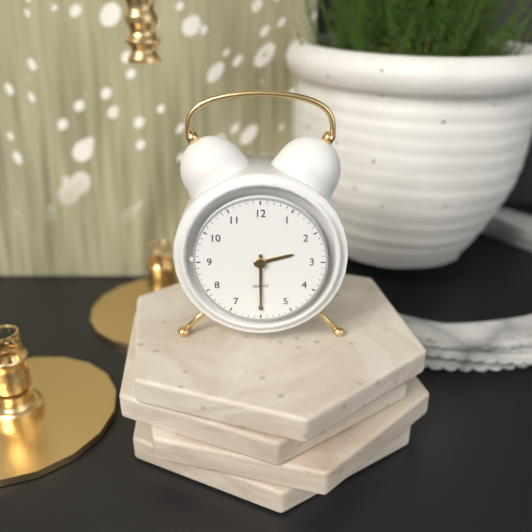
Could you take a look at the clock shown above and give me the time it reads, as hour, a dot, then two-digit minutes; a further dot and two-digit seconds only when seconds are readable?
2.30
